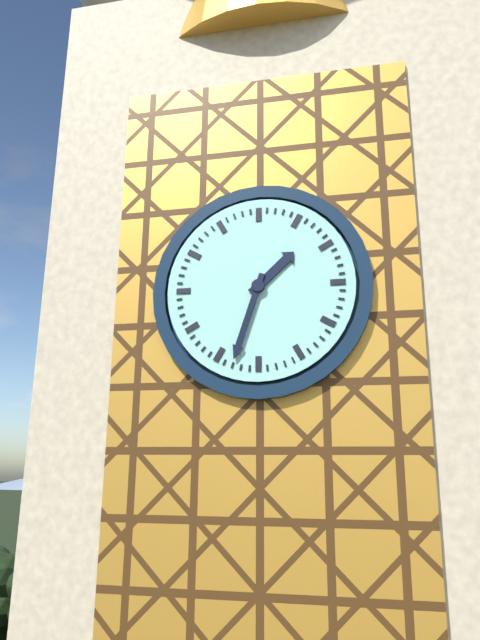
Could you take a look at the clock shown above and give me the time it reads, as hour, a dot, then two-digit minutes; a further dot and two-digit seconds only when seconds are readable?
1.33
